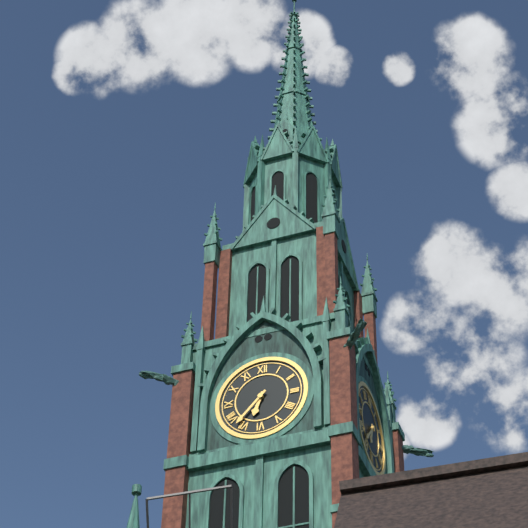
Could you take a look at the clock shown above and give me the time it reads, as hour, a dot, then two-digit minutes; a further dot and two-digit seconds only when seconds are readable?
6.37
